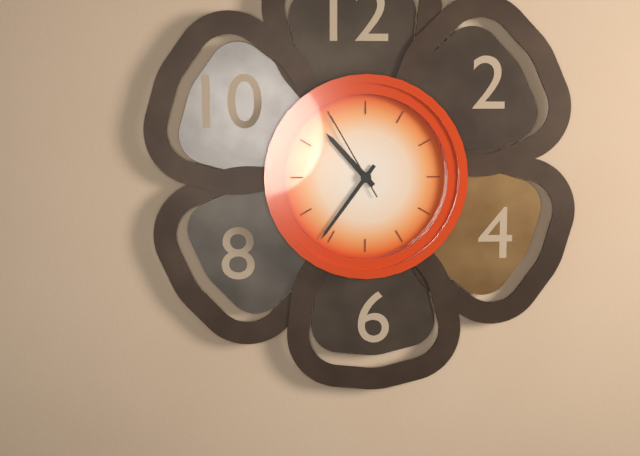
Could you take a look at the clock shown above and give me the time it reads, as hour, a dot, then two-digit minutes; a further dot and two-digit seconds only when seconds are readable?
10.36.55
